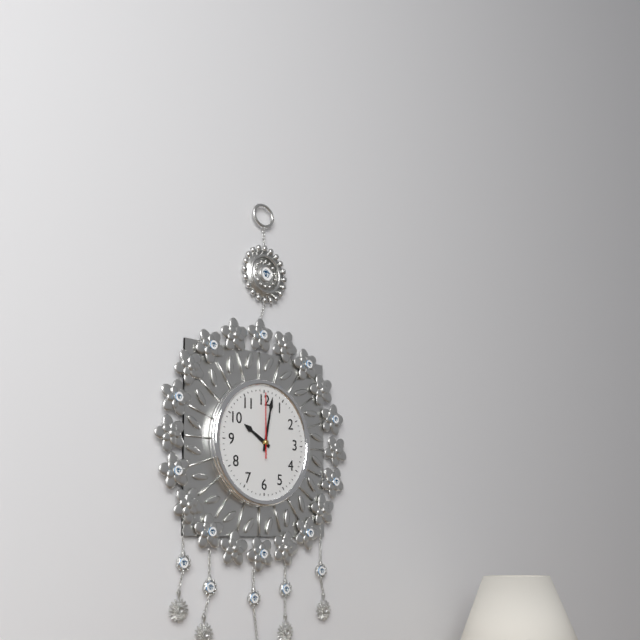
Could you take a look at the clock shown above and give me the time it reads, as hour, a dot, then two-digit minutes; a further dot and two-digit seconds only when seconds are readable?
10.02.00
